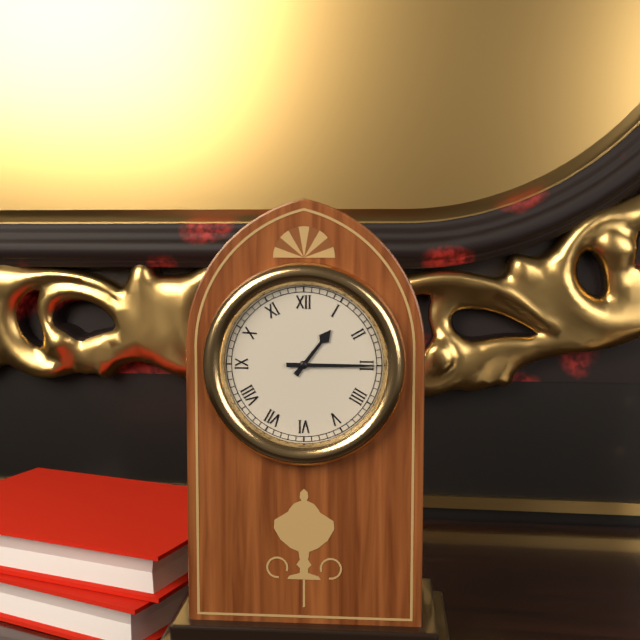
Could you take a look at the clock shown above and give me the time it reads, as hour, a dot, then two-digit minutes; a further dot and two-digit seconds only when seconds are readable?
1.15
